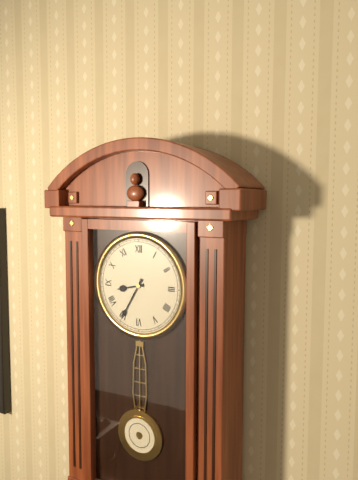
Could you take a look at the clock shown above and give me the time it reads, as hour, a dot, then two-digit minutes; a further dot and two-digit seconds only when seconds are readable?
8.35
